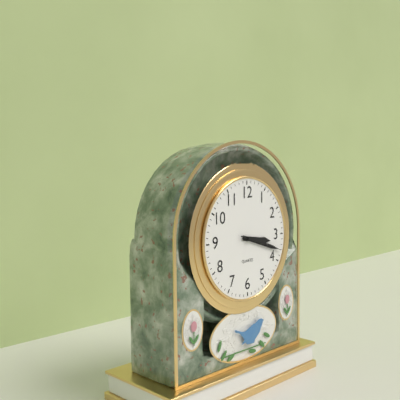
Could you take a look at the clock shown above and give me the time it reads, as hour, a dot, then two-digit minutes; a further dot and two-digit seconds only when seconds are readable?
3.18
